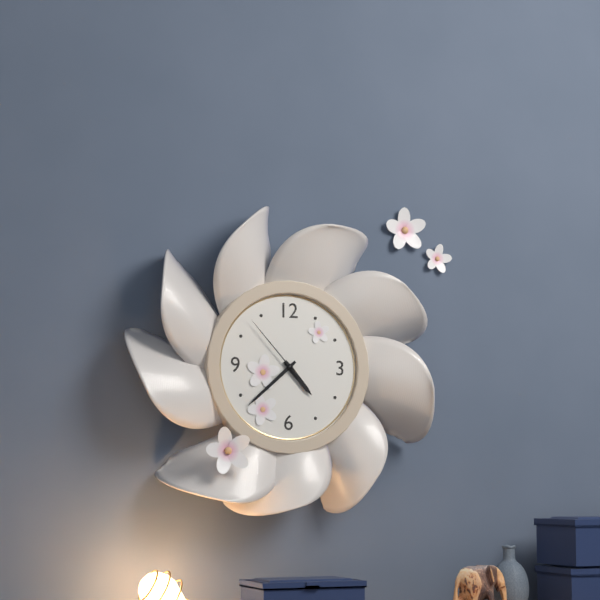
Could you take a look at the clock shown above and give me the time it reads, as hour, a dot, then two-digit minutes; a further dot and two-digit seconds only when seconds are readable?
4.38.53
